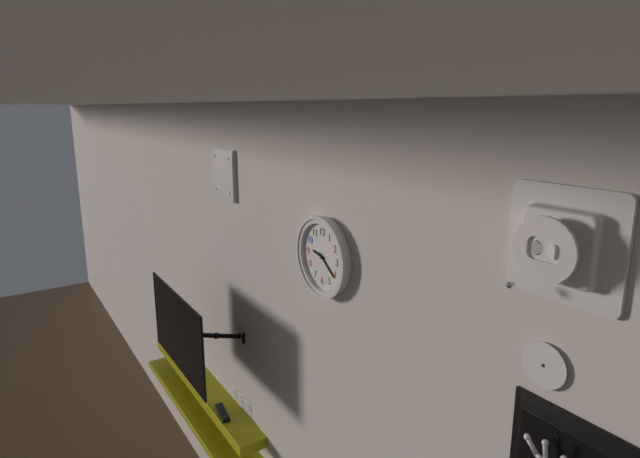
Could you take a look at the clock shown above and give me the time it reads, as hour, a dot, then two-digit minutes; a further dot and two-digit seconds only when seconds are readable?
9.21
